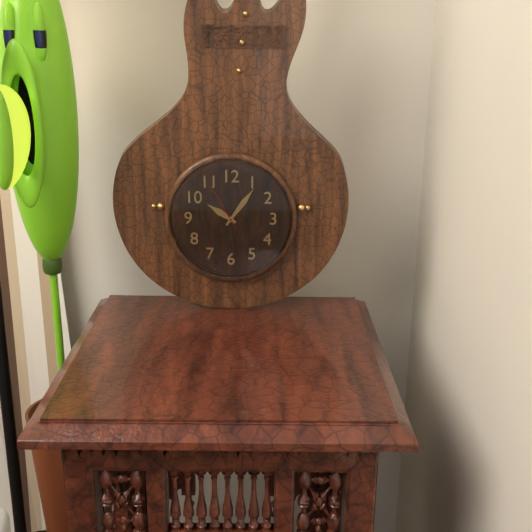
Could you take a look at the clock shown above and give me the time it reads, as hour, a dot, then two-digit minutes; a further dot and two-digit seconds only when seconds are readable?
10.06.55
